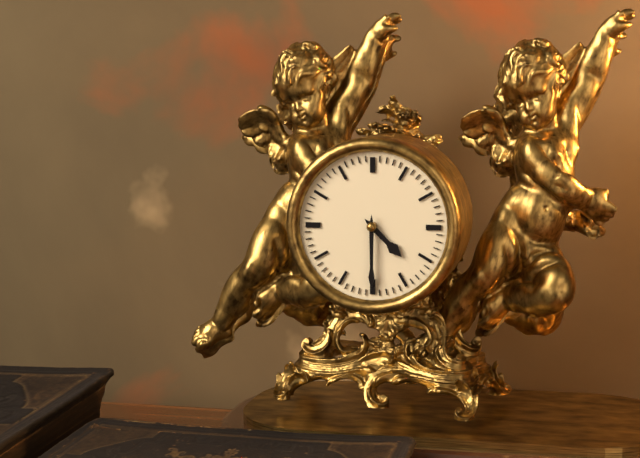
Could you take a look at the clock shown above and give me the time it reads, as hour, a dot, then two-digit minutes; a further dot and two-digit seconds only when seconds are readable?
4.30
